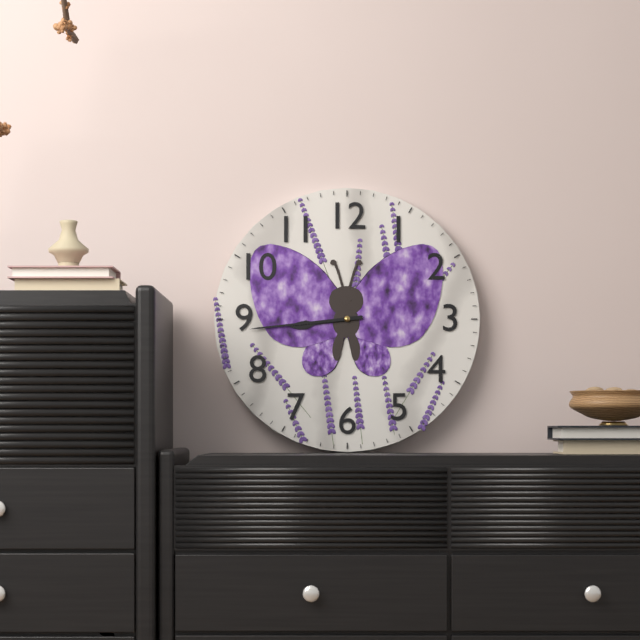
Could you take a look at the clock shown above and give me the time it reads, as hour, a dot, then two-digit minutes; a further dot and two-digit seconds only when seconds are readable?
8.44
